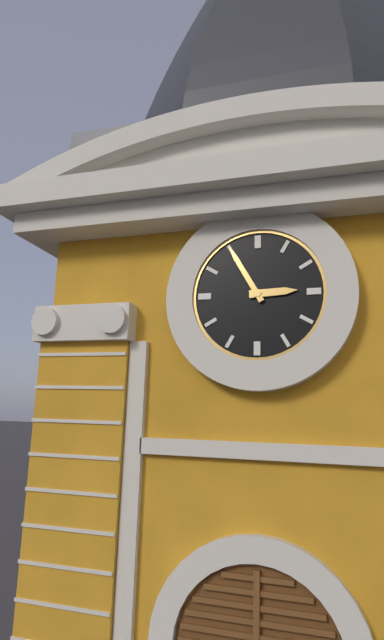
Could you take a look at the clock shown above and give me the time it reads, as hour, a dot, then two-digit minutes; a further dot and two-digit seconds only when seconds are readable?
2.55
